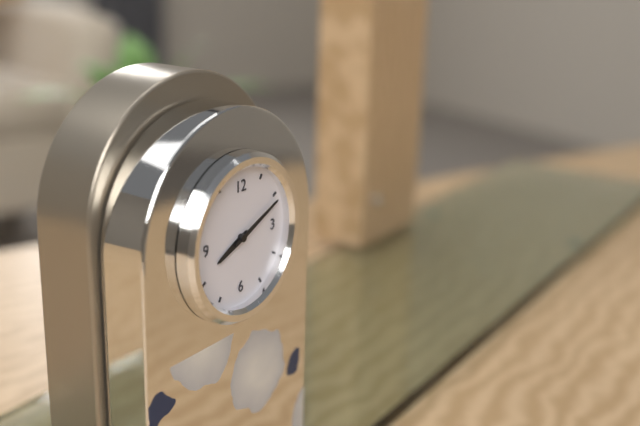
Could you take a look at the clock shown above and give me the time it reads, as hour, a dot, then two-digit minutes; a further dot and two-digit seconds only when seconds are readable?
8.11
